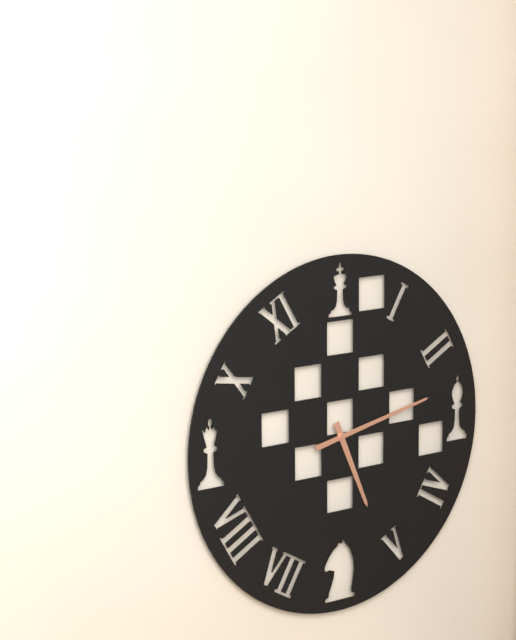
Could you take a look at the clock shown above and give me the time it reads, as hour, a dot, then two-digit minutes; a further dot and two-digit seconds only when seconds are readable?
5.13.13
